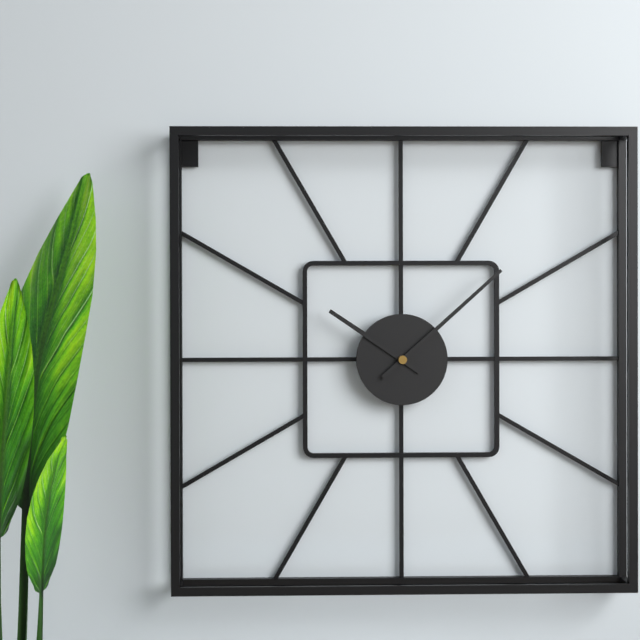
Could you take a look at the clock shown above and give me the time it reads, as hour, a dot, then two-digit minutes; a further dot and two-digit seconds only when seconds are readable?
10.08
